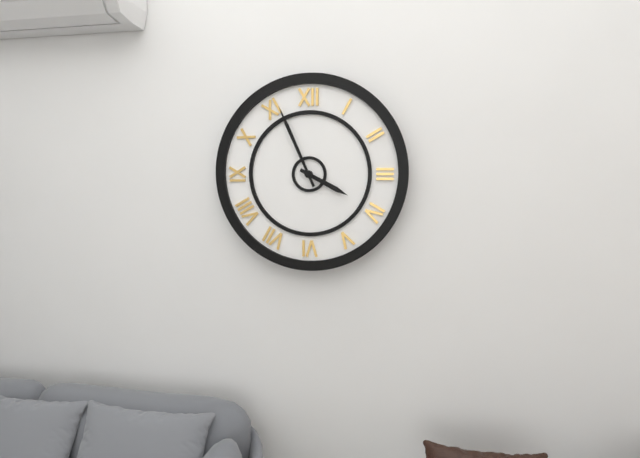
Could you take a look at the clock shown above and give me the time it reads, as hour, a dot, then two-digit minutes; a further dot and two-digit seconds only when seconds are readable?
3.56
